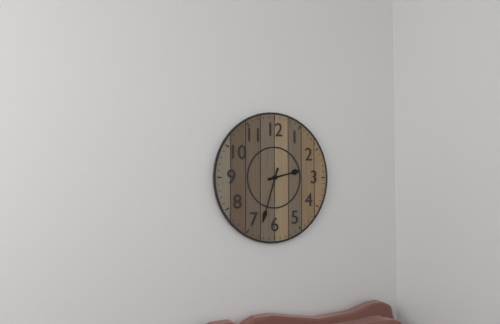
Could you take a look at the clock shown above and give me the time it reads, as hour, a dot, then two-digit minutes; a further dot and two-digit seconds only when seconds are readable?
2.33
